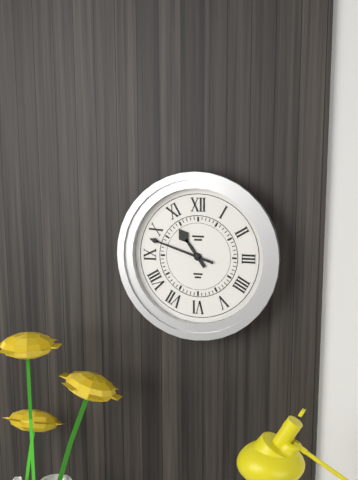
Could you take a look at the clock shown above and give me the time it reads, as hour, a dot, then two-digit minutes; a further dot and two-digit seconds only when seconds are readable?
10.48
